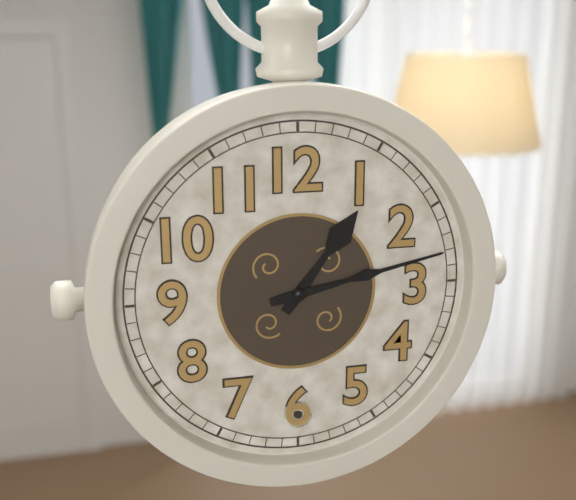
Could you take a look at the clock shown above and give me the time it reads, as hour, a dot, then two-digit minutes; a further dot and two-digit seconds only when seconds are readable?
1.13
